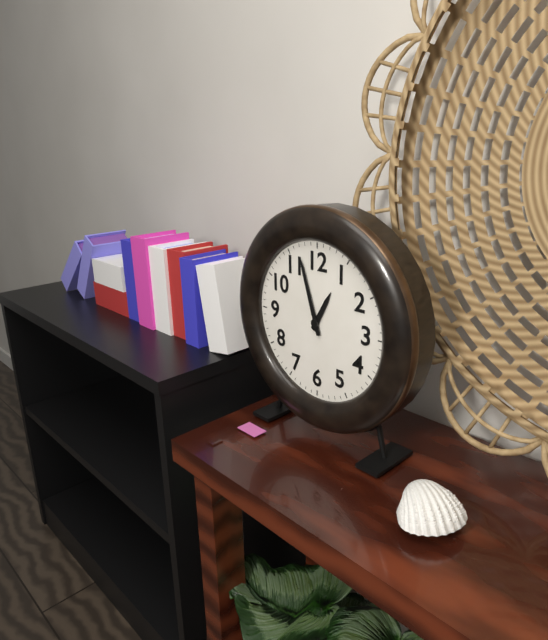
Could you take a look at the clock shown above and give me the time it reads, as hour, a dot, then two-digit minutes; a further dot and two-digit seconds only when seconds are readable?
12.57
